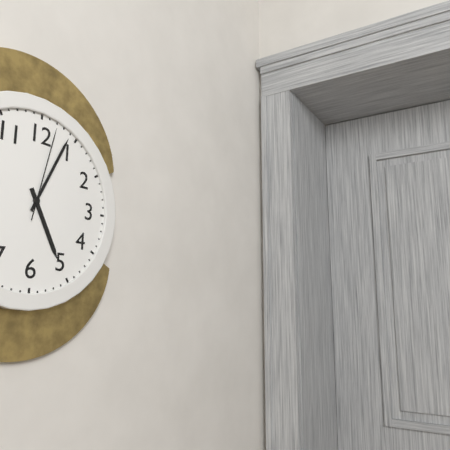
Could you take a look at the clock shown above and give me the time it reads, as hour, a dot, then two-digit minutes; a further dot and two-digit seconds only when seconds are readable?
5.04.02
